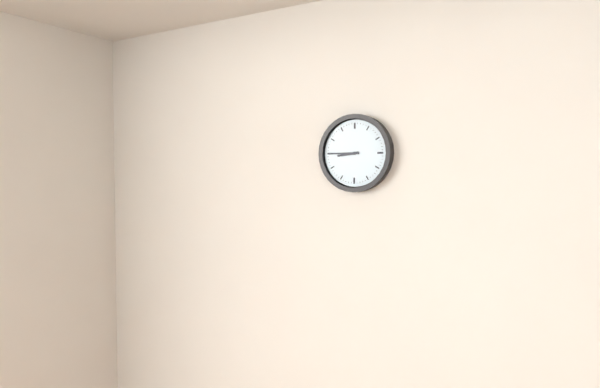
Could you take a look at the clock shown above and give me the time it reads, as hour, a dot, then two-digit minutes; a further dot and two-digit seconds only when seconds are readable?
8.45
